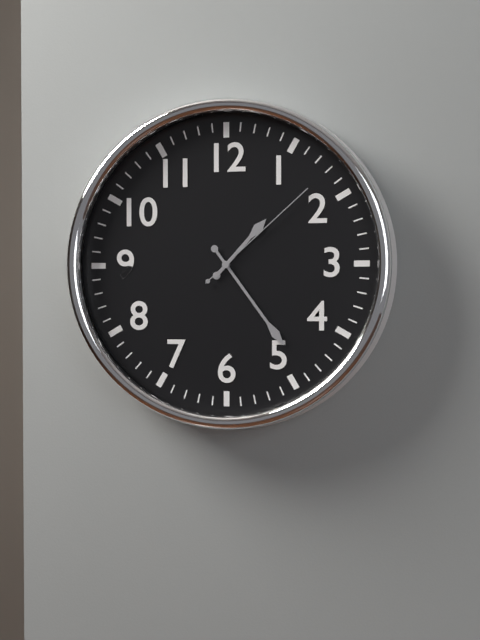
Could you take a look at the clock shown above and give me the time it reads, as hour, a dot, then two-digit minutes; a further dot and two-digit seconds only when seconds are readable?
1.24.08
